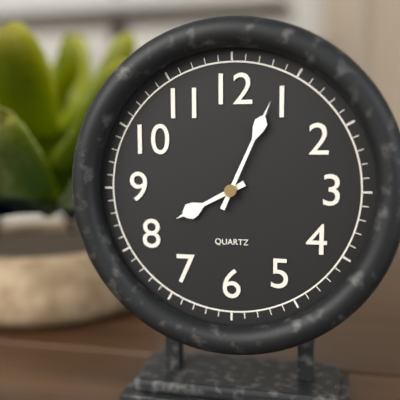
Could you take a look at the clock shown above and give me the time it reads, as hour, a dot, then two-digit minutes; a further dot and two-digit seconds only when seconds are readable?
8.04
